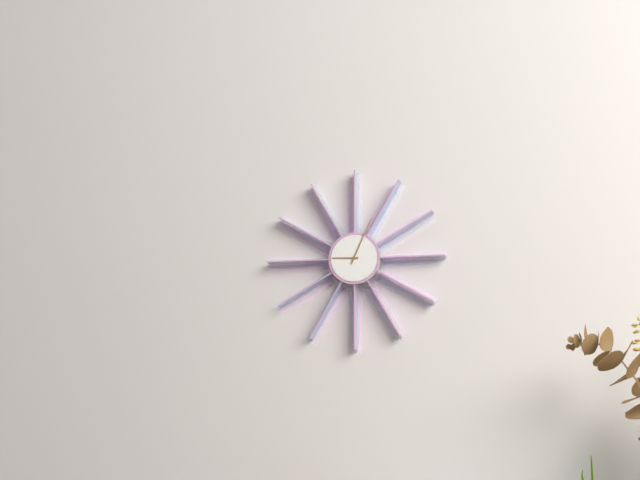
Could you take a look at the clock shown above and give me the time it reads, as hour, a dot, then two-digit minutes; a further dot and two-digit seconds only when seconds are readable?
9.04
